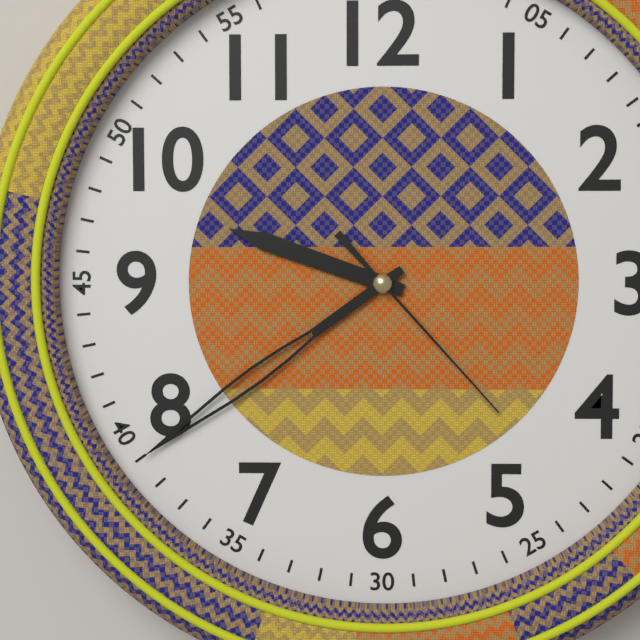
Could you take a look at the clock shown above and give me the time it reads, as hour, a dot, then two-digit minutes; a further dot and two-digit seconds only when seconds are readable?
9.39.23
